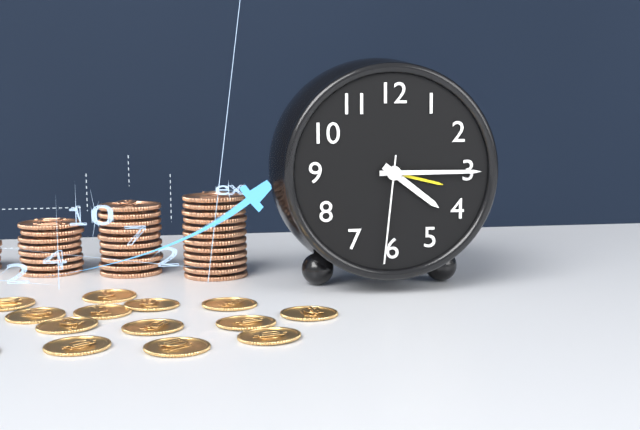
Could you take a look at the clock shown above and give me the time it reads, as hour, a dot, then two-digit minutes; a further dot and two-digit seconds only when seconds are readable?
4.15.31
